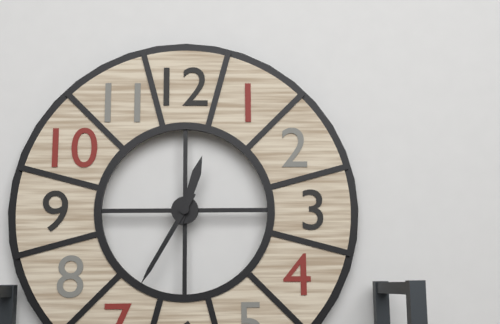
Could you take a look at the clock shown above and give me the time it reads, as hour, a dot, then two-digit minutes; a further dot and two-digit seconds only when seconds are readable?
12.35
